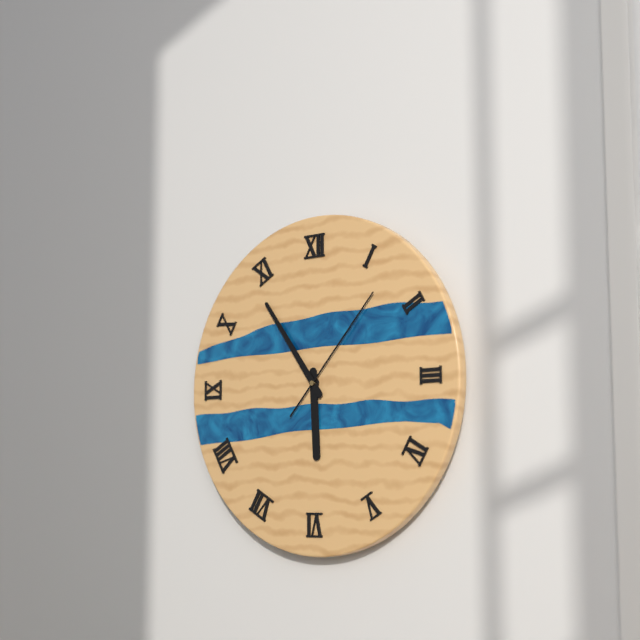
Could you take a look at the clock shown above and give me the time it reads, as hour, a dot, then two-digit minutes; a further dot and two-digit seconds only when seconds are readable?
5.54.07
